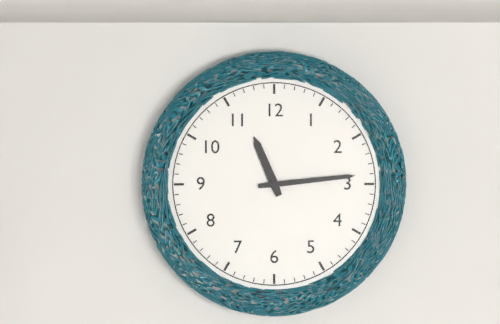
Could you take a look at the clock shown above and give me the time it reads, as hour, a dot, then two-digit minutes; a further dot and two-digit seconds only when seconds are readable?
11.14
